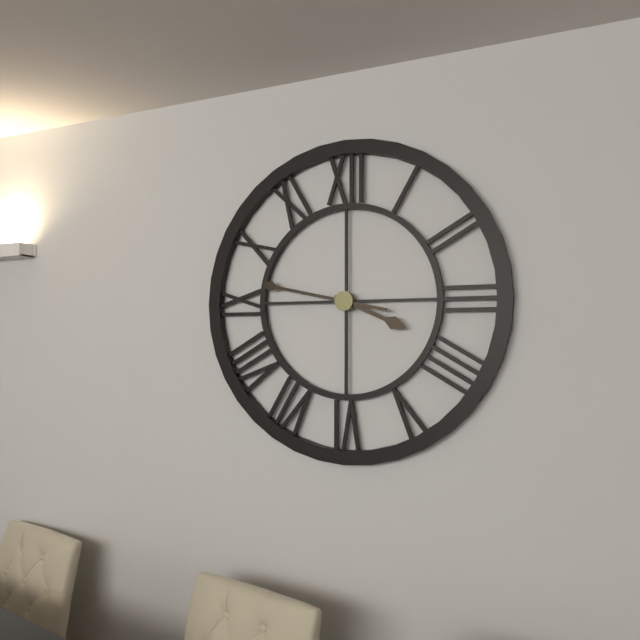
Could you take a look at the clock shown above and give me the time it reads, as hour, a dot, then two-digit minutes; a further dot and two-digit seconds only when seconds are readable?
3.47
